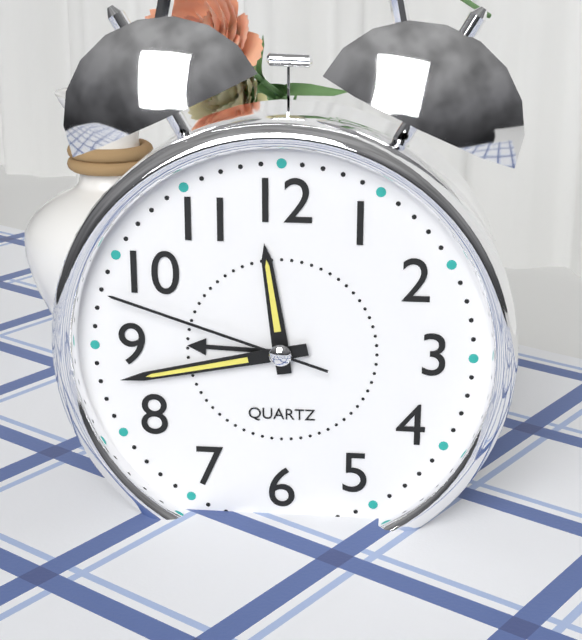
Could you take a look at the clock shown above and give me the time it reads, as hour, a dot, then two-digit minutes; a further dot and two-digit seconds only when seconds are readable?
11.43.48
